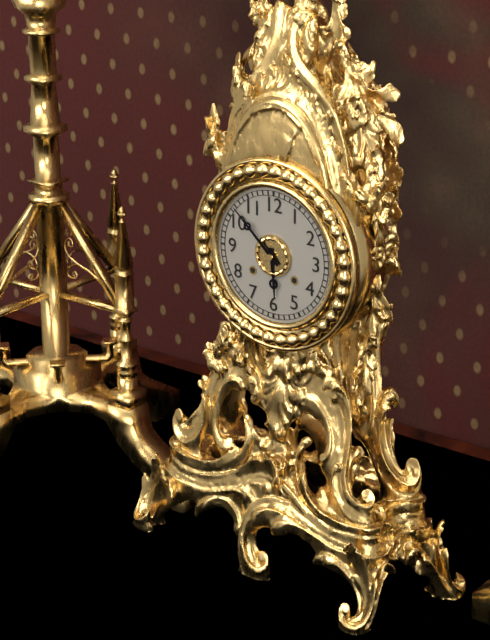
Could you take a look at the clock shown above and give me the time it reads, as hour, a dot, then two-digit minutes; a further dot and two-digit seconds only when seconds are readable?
5.52
